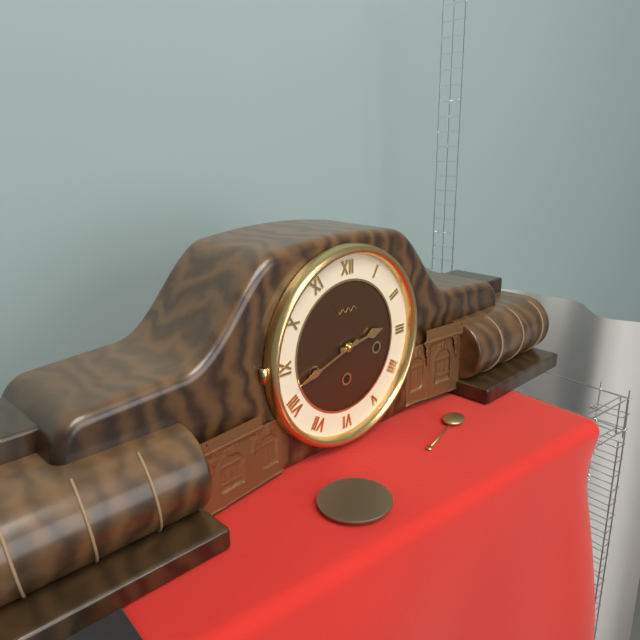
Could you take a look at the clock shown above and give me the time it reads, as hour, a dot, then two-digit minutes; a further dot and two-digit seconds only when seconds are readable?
2.42
